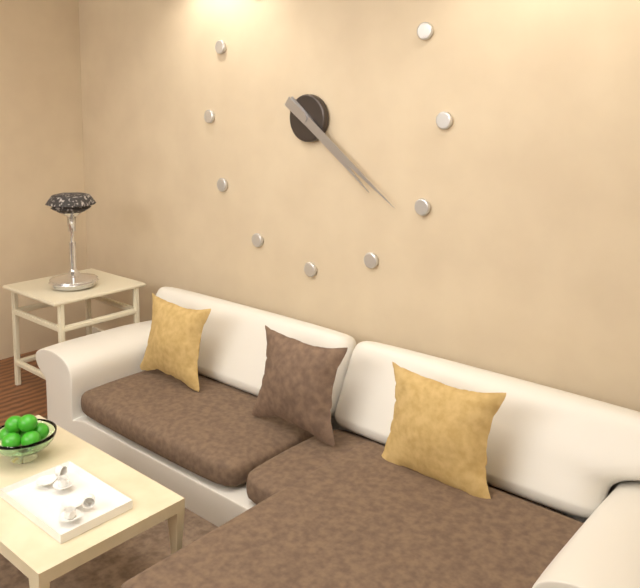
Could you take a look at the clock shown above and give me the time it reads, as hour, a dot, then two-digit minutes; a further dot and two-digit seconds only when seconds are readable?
4.21
